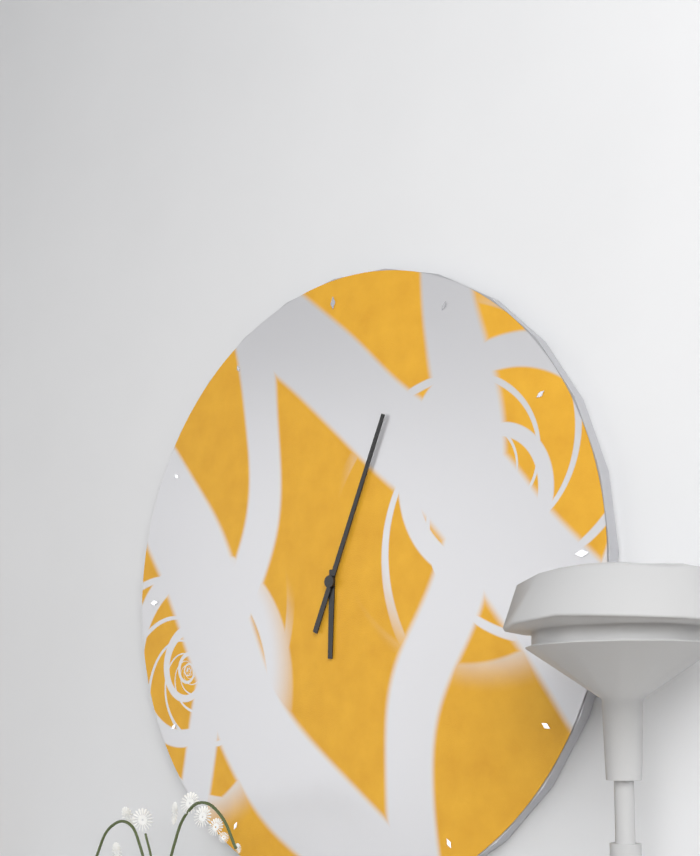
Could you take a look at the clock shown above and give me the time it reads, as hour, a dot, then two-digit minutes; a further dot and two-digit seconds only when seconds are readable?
6.04
